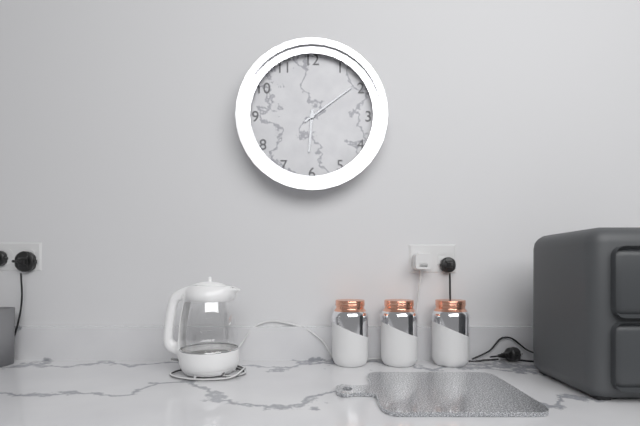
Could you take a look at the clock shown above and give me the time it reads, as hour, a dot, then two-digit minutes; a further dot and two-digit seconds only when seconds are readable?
6.09
